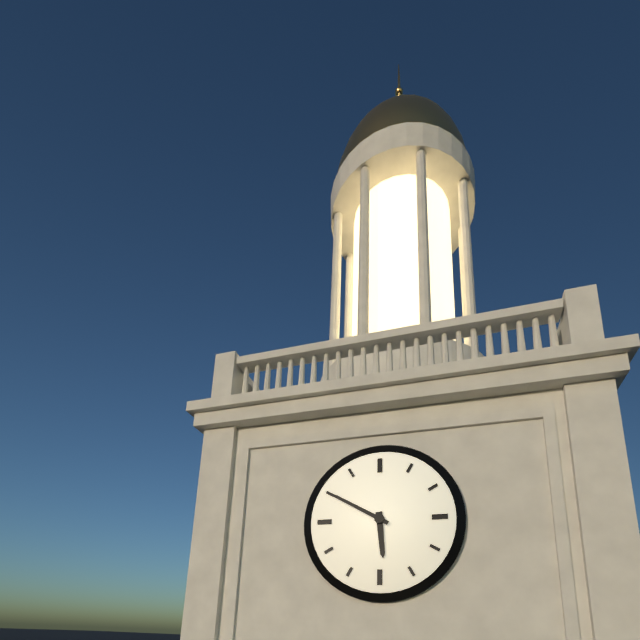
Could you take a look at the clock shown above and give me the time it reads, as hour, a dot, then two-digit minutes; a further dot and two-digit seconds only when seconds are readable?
5.50
